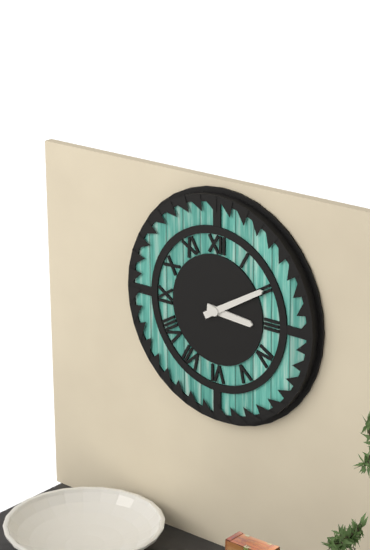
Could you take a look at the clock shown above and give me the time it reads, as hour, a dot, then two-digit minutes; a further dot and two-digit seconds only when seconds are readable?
3.10
